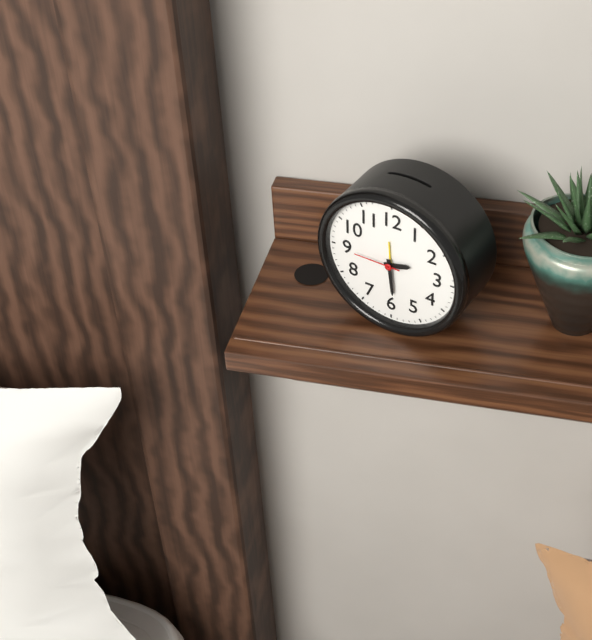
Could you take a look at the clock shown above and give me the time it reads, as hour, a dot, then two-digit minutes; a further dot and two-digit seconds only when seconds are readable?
2.29
